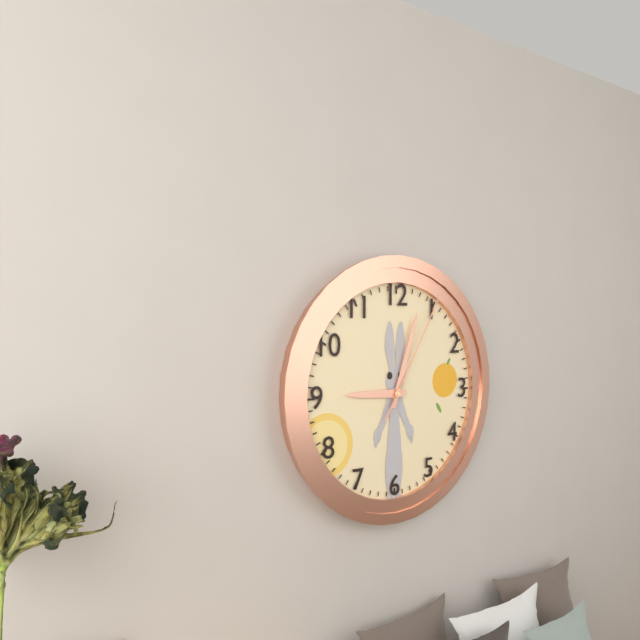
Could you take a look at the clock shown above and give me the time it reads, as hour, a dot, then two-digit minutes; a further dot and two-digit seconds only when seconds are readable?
9.03.05
